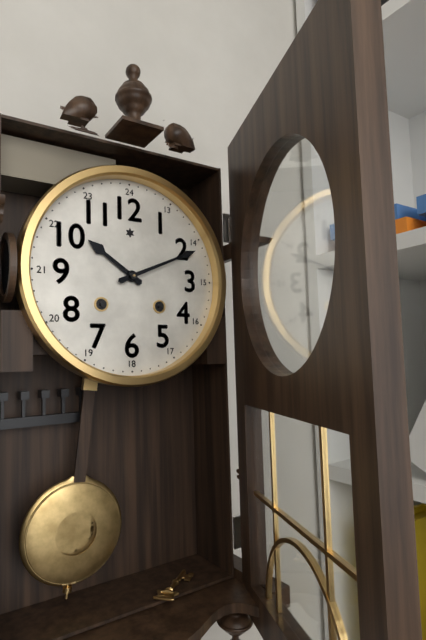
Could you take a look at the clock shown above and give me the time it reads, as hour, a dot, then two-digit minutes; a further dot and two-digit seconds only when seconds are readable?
10.11
